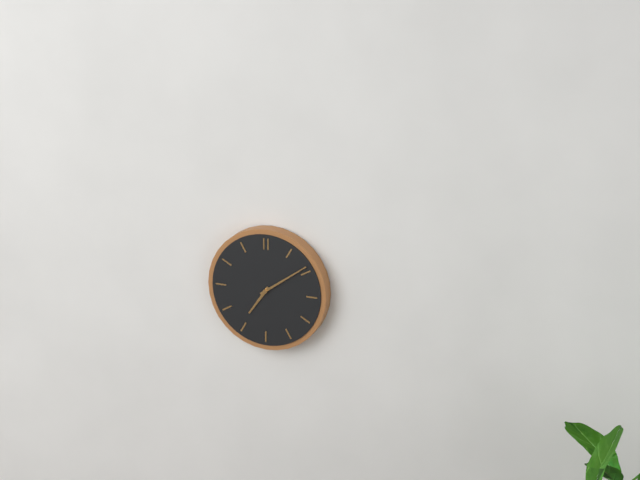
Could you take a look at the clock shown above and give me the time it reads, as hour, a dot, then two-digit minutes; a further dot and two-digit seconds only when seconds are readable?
7.09
